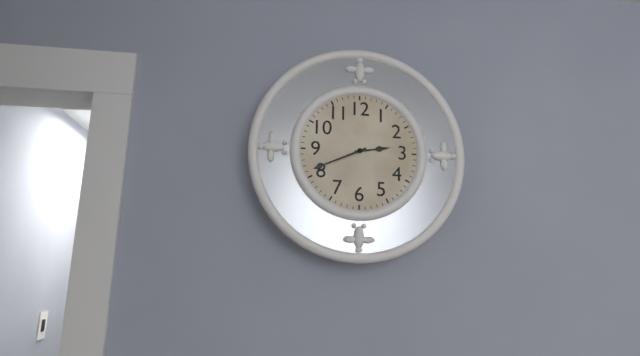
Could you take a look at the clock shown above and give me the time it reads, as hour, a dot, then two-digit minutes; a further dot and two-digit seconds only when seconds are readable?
2.41
